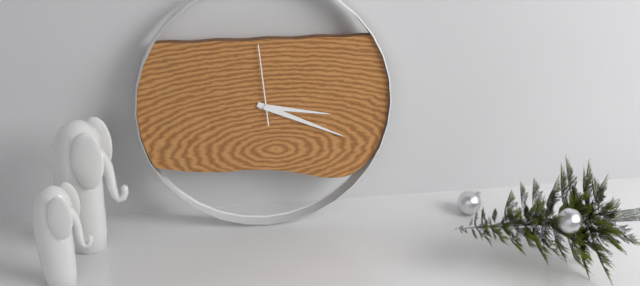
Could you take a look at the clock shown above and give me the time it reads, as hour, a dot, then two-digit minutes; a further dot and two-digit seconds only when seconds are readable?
3.19.59
